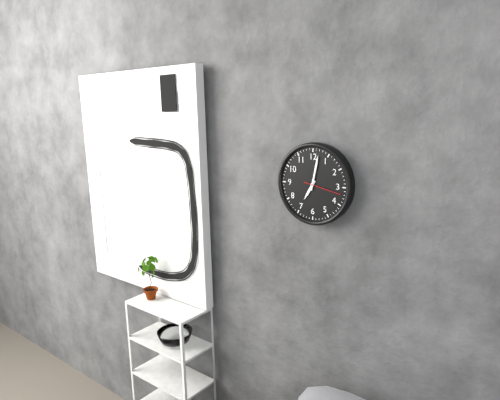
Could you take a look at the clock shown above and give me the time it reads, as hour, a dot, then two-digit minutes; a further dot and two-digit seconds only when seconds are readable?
7.02
